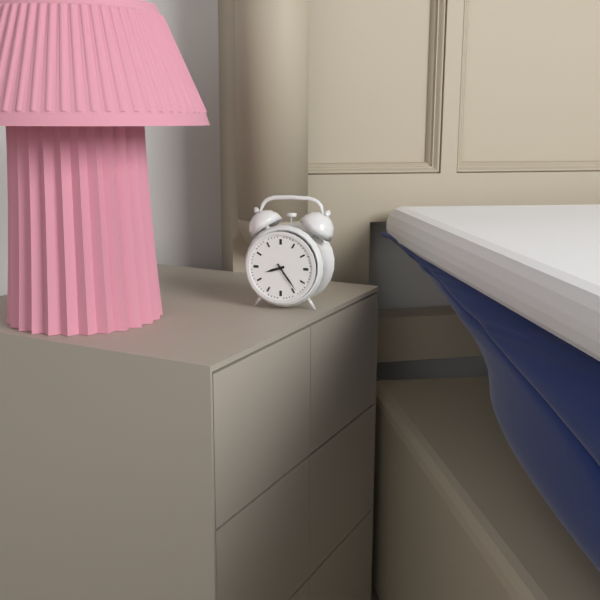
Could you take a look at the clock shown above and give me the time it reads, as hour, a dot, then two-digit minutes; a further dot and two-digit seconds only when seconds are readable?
8.24
